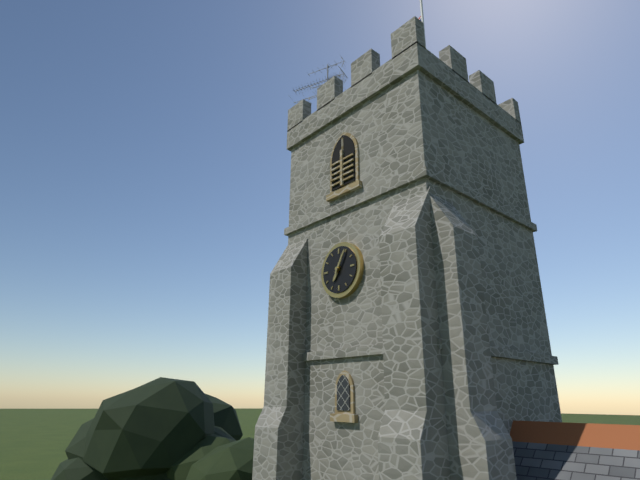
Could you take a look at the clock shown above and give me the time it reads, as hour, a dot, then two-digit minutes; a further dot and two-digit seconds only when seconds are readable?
7.05
